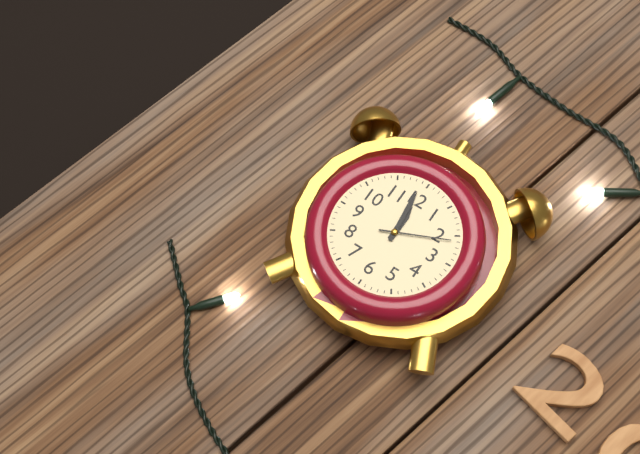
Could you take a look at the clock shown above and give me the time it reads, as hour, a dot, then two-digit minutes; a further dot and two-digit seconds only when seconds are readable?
11.59.11
